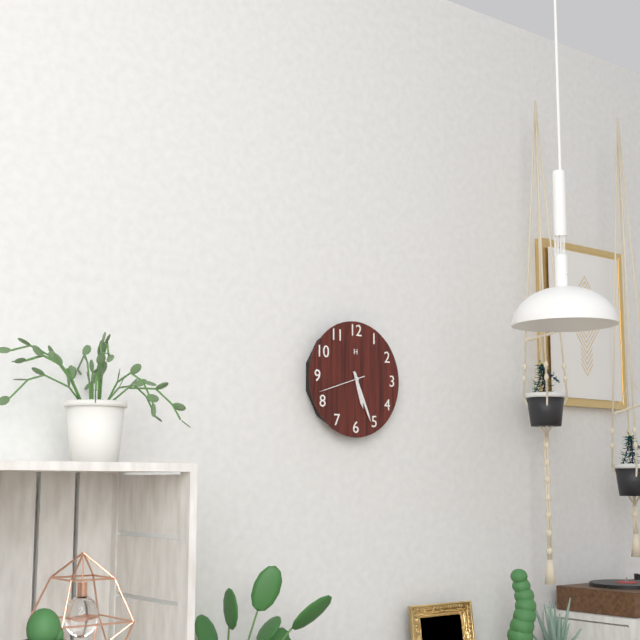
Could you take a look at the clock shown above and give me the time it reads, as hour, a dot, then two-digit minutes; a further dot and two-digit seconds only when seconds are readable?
5.26
